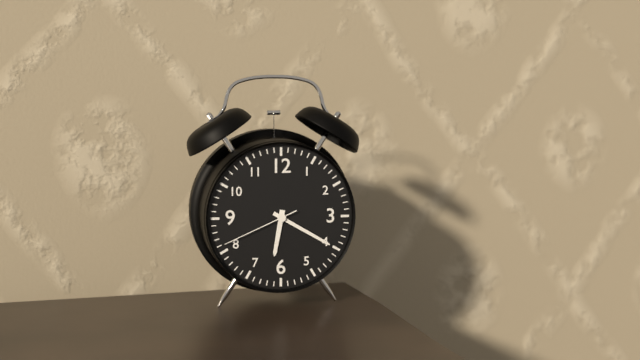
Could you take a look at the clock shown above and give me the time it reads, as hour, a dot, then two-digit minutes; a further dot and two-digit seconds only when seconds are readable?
6.20.41
